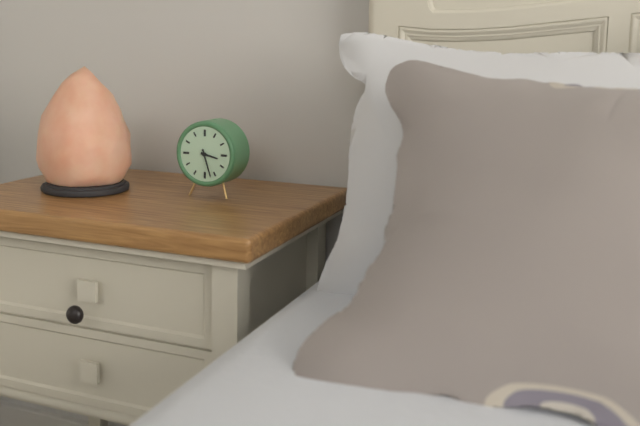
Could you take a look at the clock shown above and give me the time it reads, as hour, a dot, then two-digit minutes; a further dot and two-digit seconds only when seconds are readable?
3.27
